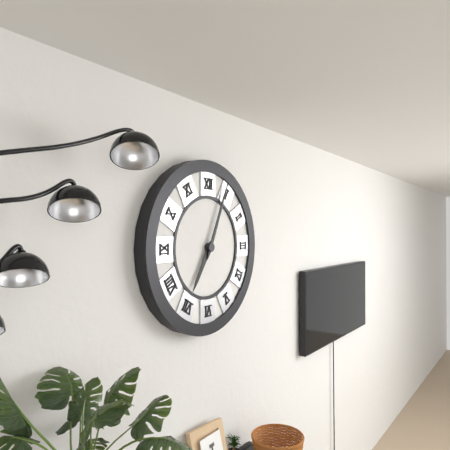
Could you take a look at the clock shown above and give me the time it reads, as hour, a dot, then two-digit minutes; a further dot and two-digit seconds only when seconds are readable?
7.04
